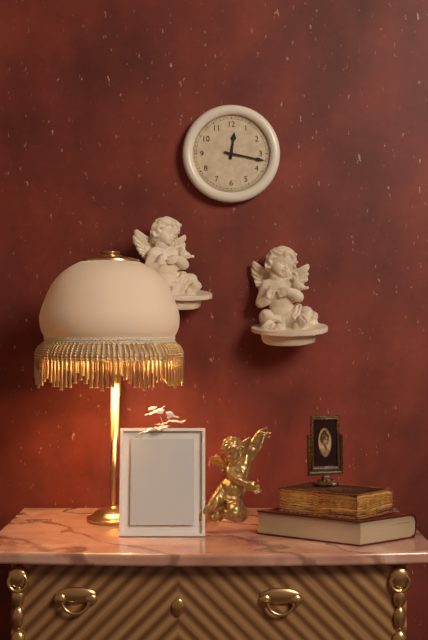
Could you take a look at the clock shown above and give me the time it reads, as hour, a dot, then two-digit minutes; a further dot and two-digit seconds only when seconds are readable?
12.17
